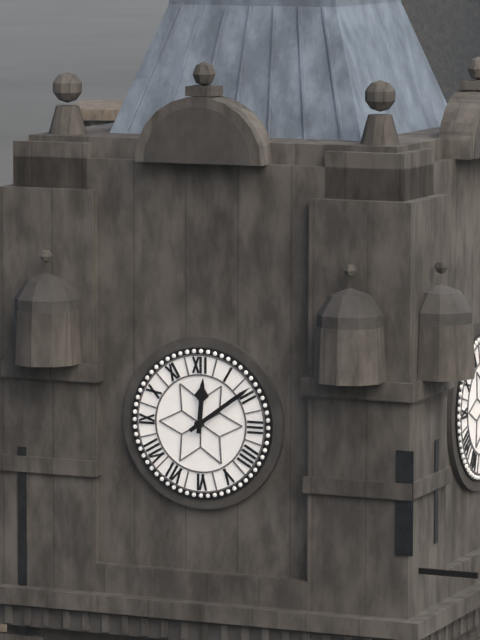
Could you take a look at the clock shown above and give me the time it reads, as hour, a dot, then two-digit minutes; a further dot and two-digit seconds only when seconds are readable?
12.09
